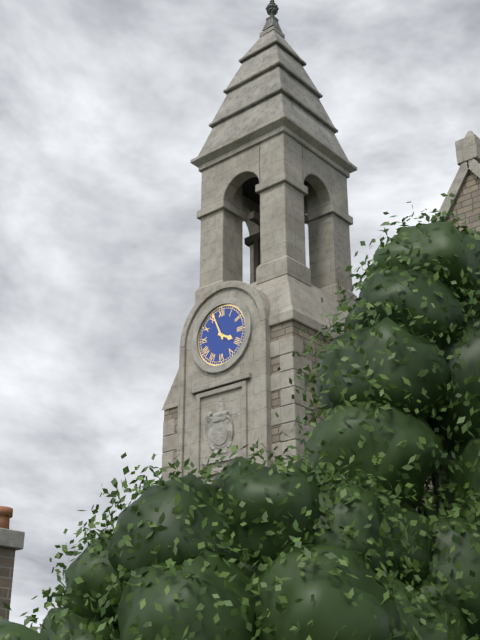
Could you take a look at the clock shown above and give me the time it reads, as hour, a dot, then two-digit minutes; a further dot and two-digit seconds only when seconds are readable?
3.56
